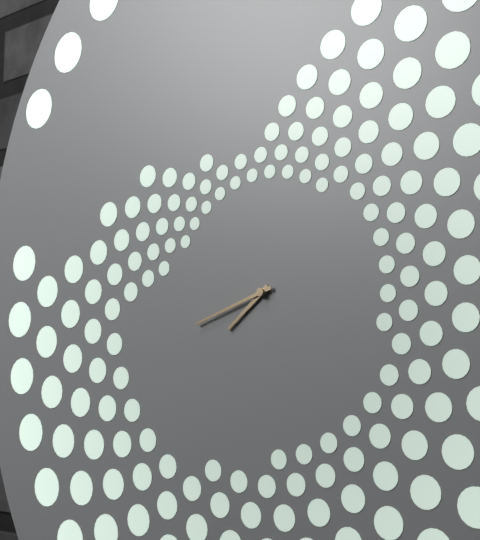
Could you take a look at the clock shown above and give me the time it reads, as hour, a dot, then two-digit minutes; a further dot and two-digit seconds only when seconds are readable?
7.42
